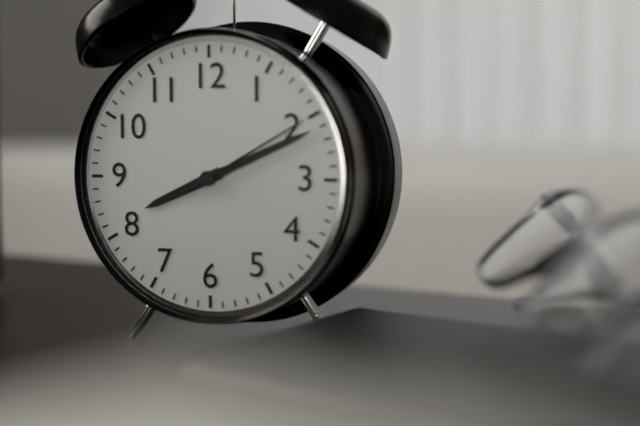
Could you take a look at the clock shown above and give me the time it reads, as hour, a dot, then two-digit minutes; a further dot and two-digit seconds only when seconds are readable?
8.11.10
